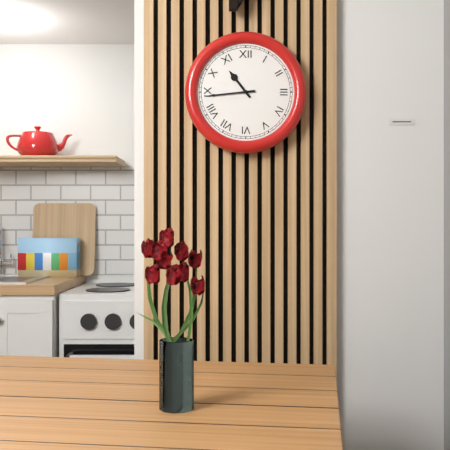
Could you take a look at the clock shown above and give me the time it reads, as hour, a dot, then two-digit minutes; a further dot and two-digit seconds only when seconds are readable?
10.44
